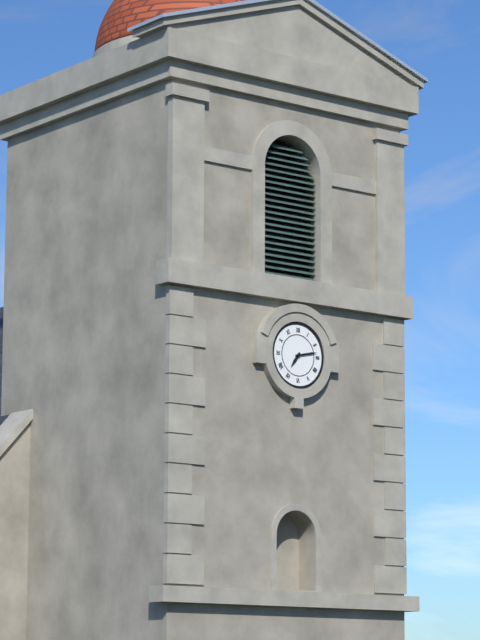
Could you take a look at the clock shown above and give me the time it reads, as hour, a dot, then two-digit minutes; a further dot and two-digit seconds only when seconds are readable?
7.13
